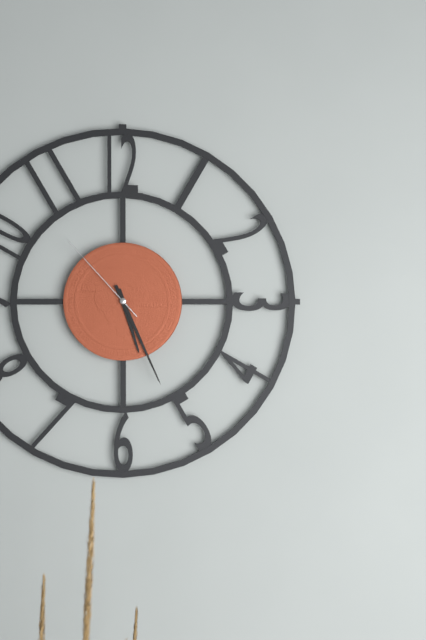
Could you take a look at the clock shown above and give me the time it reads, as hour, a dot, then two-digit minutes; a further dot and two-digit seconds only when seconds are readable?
5.26.53
